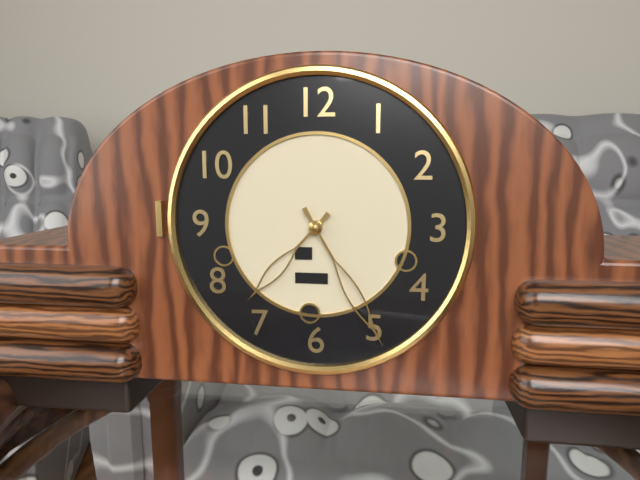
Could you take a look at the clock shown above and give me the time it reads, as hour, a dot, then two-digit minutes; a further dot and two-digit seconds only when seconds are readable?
7.25
